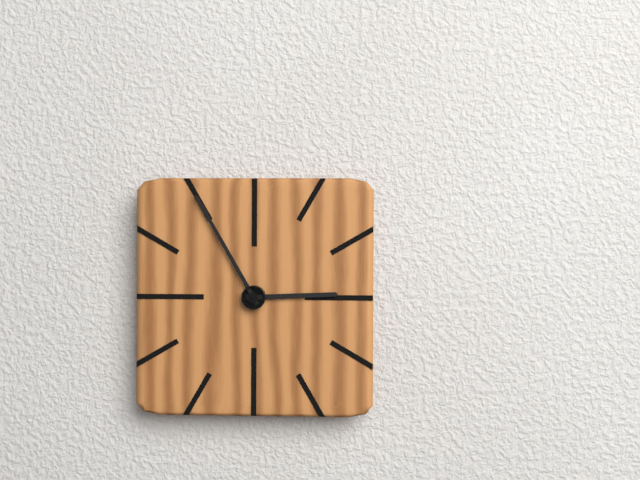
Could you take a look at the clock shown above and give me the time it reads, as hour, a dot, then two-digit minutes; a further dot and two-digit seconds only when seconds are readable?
2.55
